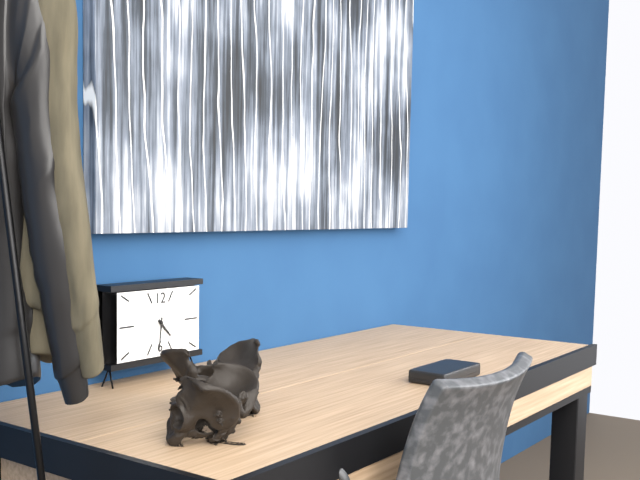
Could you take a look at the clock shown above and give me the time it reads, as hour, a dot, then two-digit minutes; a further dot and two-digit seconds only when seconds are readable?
4.31
